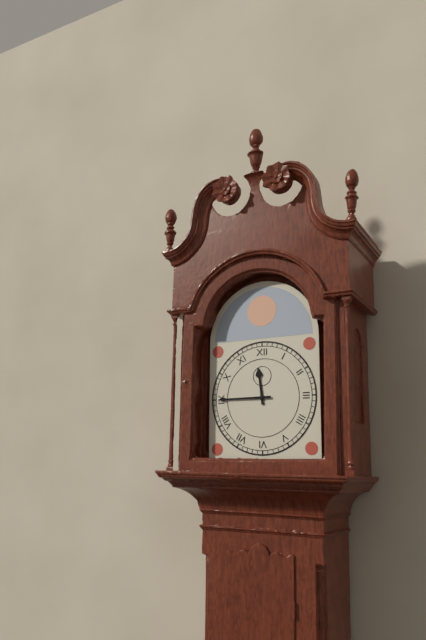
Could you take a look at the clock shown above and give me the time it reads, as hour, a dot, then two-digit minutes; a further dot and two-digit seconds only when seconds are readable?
11.45
